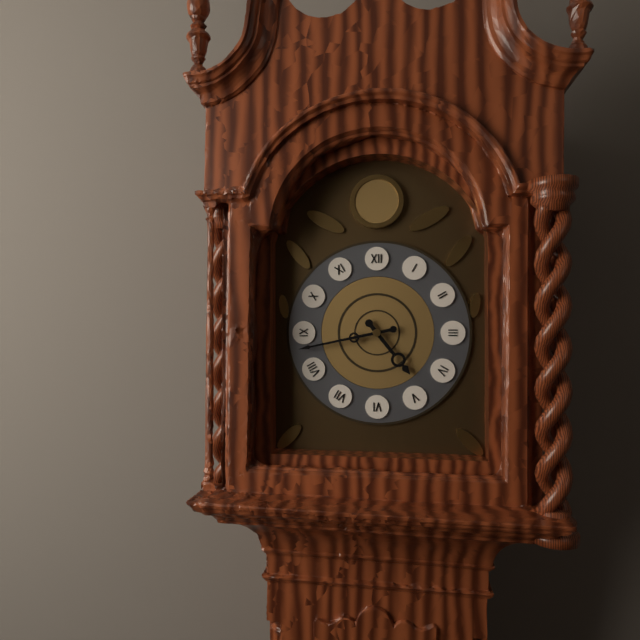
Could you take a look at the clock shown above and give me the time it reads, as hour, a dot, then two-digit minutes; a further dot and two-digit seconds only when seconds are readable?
4.43
